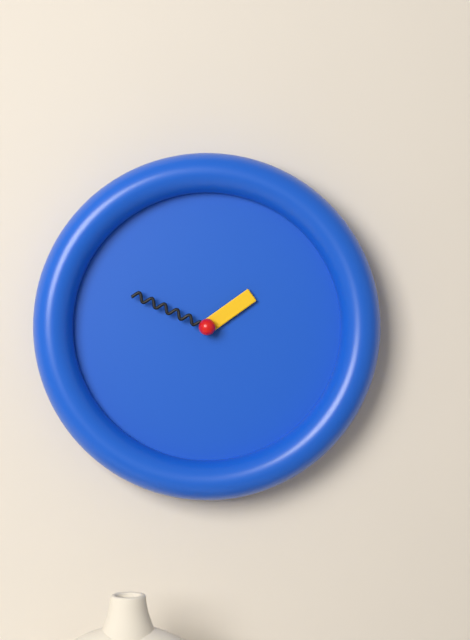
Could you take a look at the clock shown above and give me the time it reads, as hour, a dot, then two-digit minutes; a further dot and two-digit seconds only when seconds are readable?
1.49
